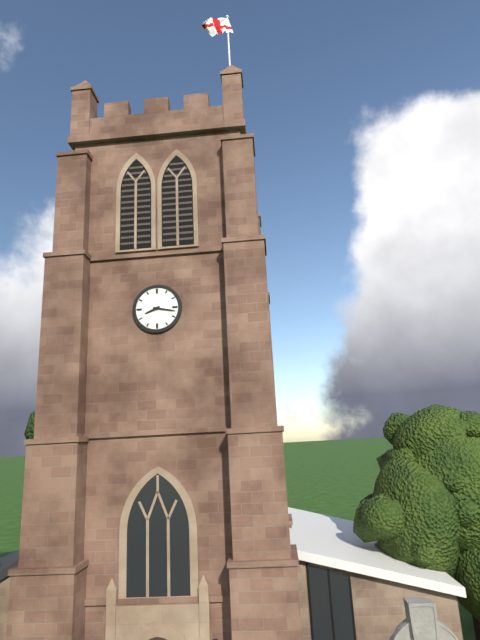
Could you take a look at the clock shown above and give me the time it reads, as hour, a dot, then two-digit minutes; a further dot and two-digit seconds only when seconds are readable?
8.17
